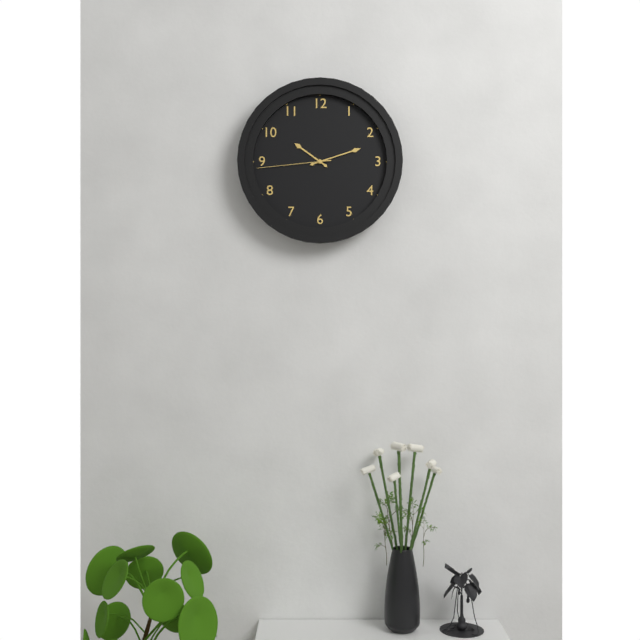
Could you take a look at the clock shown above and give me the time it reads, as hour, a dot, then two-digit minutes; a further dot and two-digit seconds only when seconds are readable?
10.12.44
